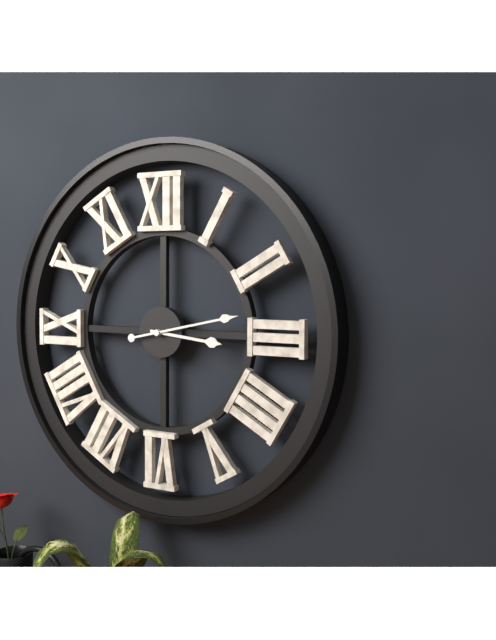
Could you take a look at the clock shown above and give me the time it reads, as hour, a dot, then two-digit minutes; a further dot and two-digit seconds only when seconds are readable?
3.13
